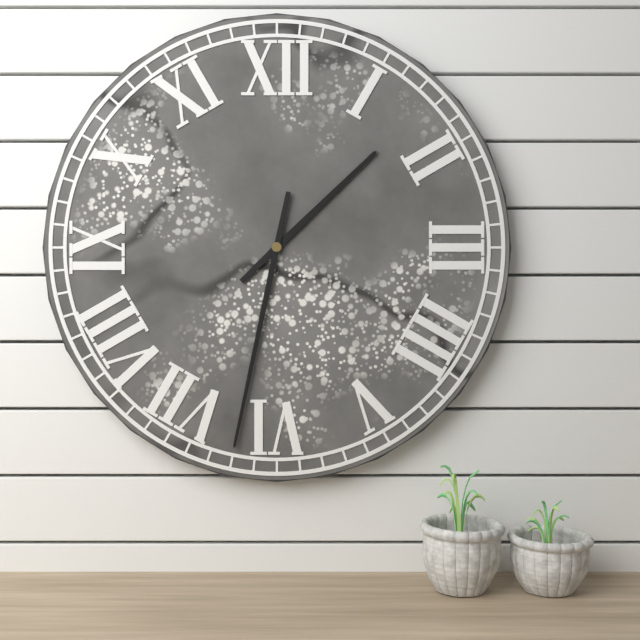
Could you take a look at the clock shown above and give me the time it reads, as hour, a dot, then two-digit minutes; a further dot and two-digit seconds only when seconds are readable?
1.32
